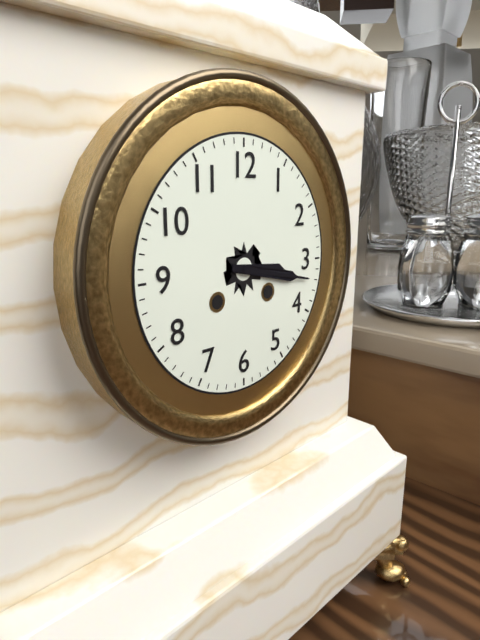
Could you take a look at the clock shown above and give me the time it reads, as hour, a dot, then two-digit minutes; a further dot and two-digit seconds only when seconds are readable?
3.17
